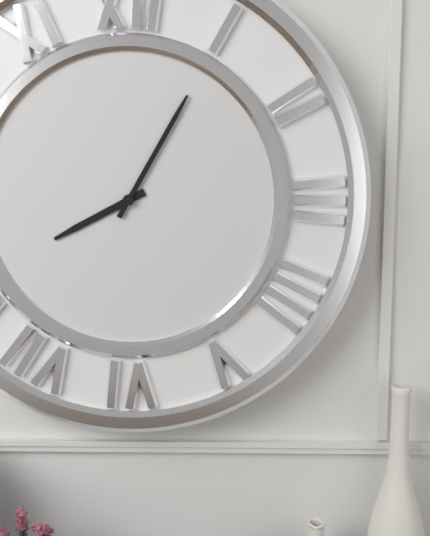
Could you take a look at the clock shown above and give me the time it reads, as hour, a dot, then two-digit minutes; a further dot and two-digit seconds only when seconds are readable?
8.05
